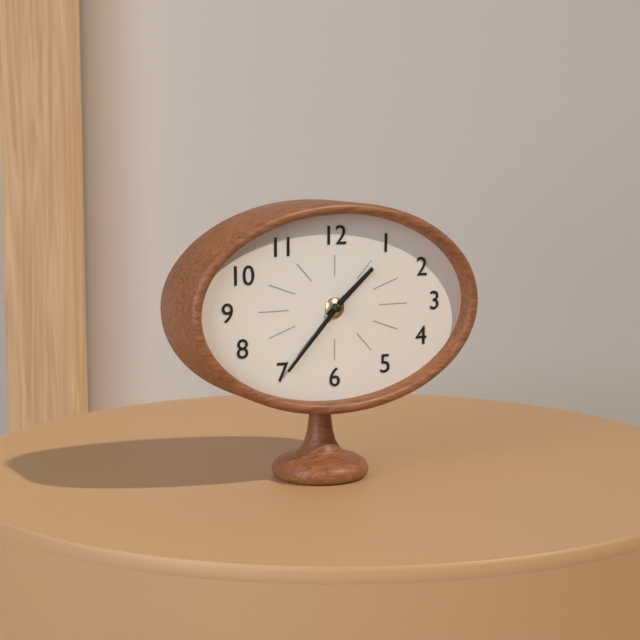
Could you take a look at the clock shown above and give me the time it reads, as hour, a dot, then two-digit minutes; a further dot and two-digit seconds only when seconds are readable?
1.37
